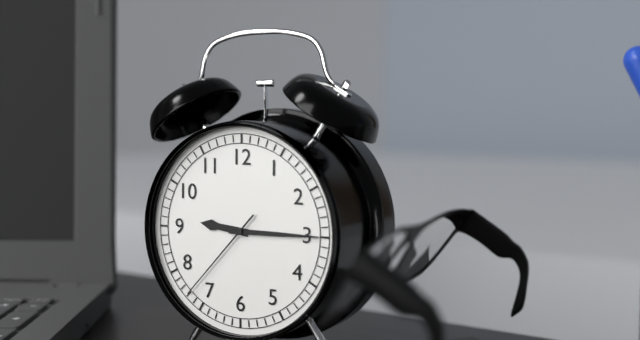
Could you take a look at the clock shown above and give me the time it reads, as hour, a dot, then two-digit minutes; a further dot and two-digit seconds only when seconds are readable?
9.15.37
